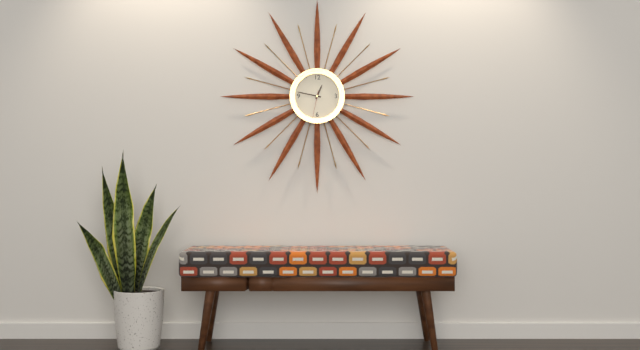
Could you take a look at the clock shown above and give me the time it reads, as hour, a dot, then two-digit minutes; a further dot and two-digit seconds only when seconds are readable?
12.47
